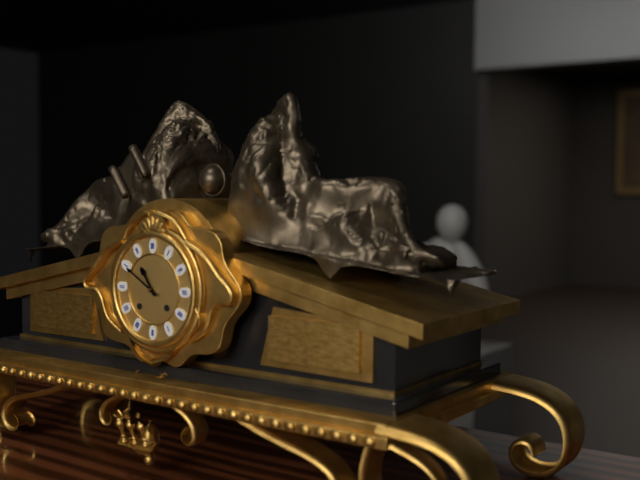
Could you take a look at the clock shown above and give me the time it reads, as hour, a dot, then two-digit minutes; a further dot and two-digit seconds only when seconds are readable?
10.50
